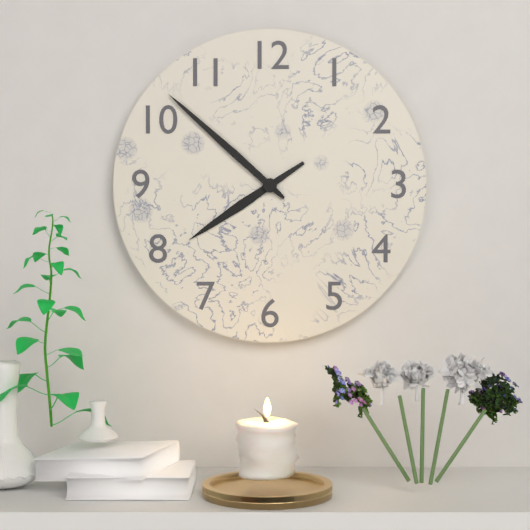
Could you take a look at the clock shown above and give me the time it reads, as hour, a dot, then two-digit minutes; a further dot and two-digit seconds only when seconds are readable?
7.52
